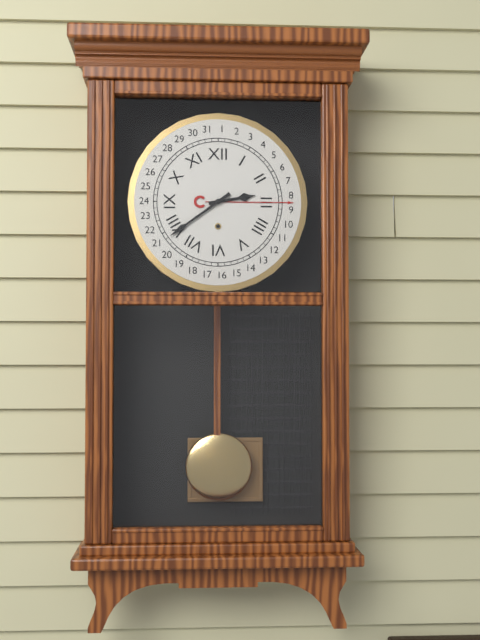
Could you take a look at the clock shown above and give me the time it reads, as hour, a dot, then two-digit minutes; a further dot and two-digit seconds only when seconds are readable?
2.39
